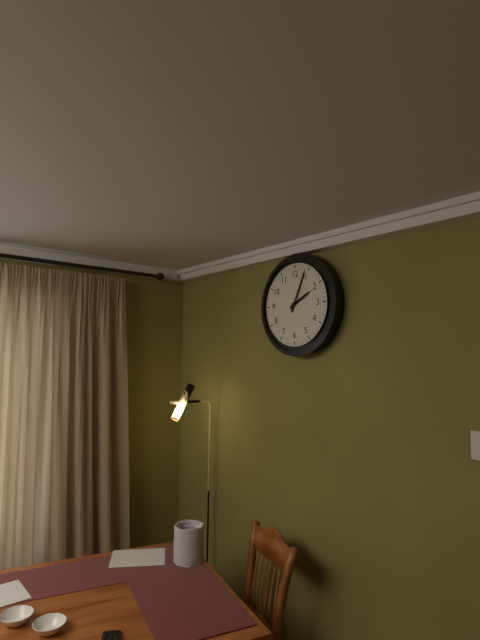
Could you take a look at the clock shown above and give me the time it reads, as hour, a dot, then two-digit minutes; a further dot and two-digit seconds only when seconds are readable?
2.04
